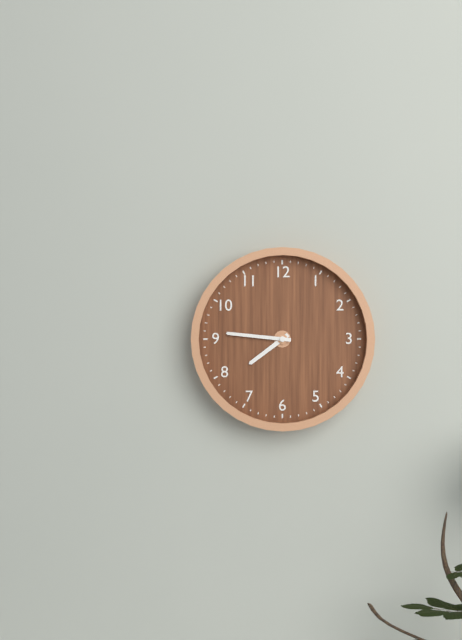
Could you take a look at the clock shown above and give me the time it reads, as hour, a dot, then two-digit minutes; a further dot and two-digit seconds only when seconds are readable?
7.46
